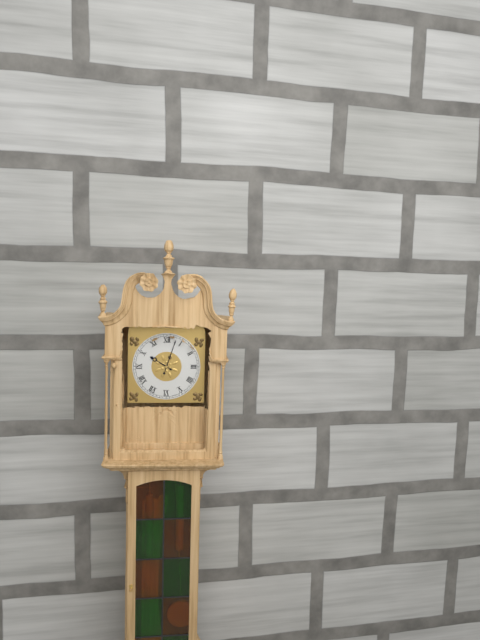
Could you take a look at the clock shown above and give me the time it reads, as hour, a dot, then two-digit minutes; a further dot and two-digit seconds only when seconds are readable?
10.03
